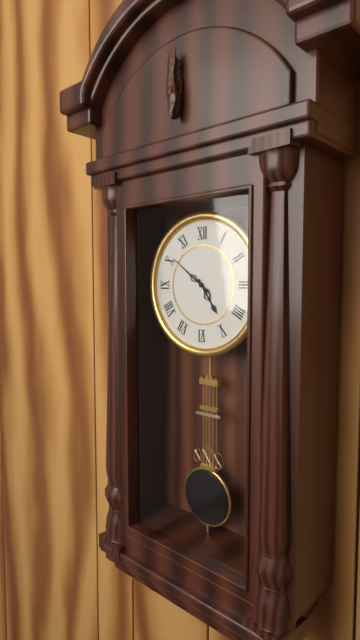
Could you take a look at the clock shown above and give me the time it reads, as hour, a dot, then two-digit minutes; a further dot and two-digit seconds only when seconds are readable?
4.51
